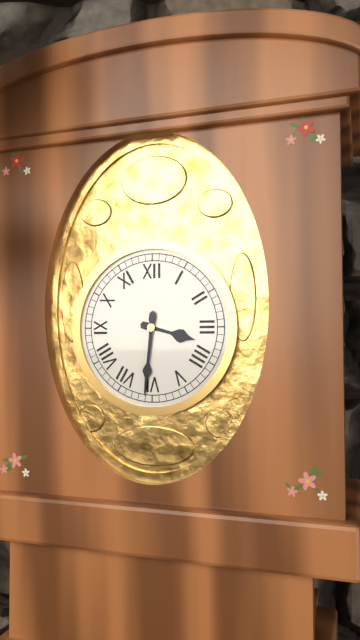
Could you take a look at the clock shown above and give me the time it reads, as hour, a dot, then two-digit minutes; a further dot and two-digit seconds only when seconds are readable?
3.31
